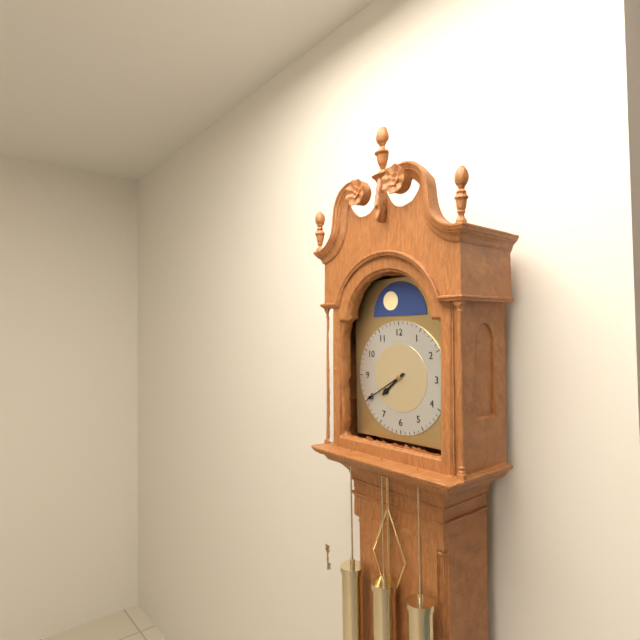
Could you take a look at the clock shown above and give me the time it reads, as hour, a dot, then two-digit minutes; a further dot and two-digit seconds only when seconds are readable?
7.40
